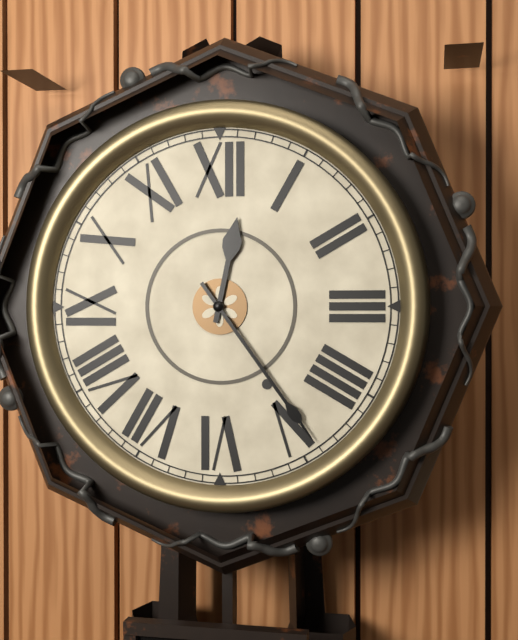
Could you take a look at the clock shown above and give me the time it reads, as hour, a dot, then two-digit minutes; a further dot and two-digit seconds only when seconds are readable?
12.24
